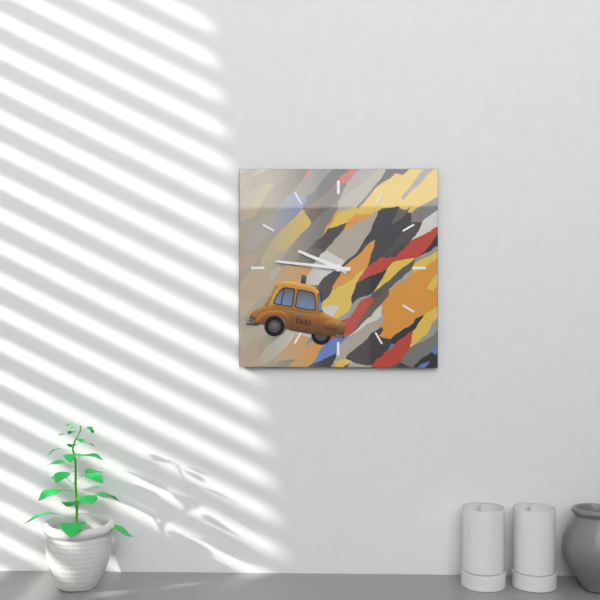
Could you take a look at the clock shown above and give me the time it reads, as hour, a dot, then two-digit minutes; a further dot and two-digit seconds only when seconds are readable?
9.46
